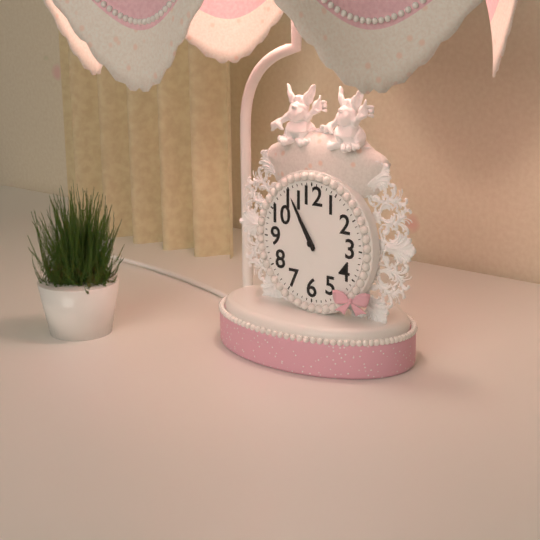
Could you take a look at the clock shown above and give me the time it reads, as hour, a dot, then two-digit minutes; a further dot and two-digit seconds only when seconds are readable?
10.55
